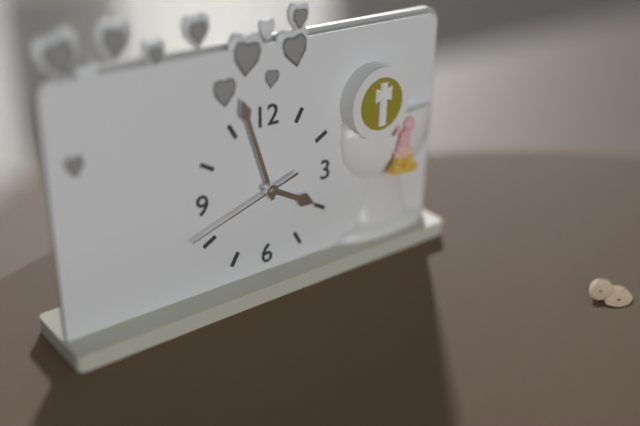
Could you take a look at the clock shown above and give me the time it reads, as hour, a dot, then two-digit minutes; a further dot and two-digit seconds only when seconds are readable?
3.57.42
